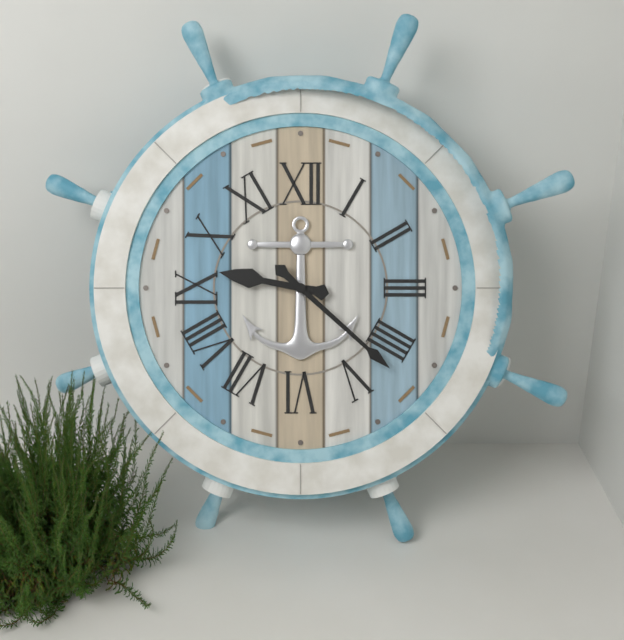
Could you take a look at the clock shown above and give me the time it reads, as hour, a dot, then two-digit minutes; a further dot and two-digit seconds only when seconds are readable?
9.22
